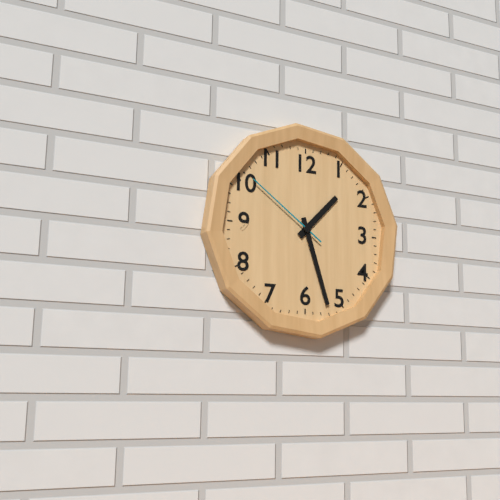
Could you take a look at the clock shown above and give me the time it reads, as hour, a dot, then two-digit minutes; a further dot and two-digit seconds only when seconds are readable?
1.27.51
